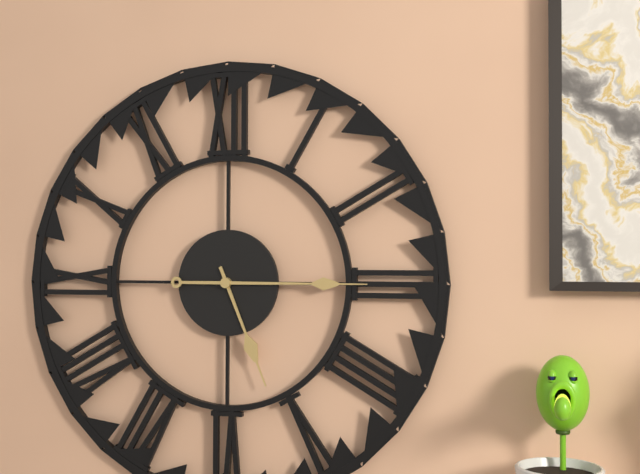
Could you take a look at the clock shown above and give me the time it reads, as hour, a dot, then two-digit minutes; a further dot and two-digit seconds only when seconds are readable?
5.15
